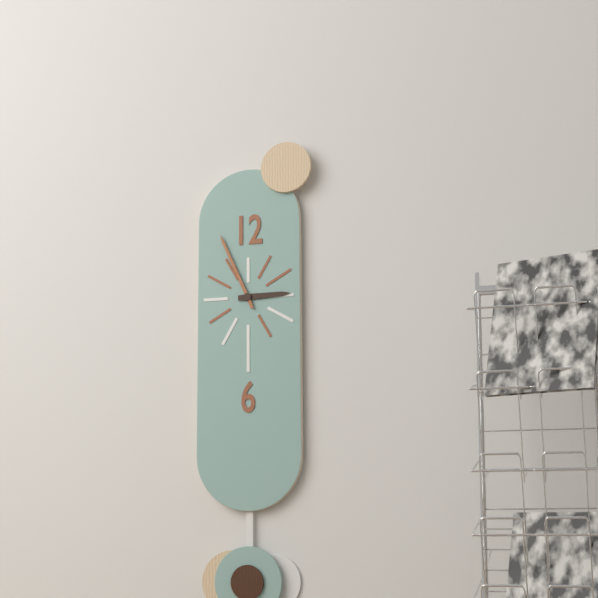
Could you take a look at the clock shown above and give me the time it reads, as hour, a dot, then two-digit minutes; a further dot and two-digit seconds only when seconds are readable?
2.56
